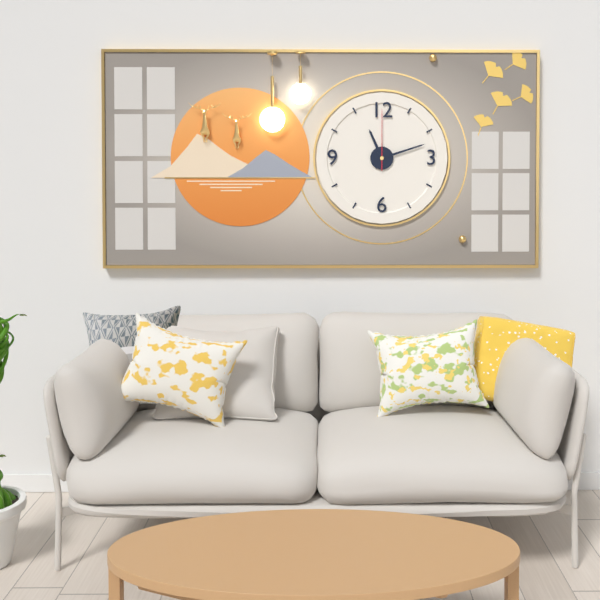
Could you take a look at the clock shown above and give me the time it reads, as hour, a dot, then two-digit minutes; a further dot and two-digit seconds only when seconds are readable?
11.12.00
